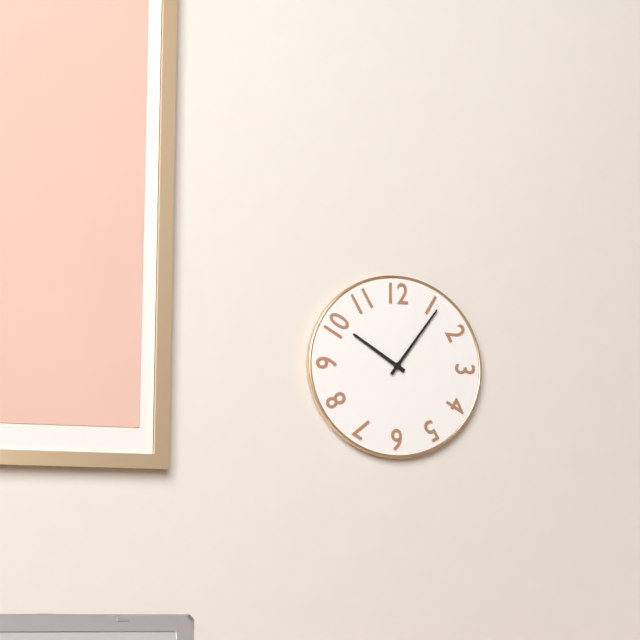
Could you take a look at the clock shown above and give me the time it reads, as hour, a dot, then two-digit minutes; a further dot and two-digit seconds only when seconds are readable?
10.06
